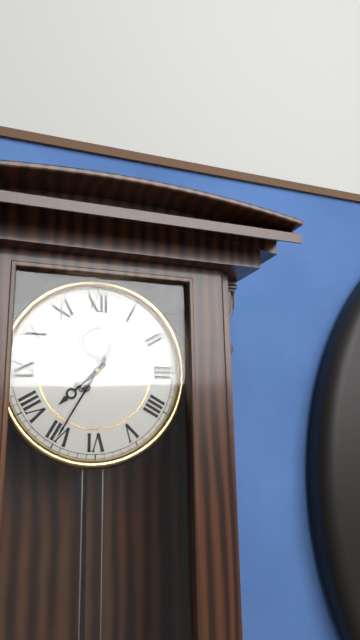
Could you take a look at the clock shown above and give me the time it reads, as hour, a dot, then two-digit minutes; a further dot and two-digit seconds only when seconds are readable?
7.35
